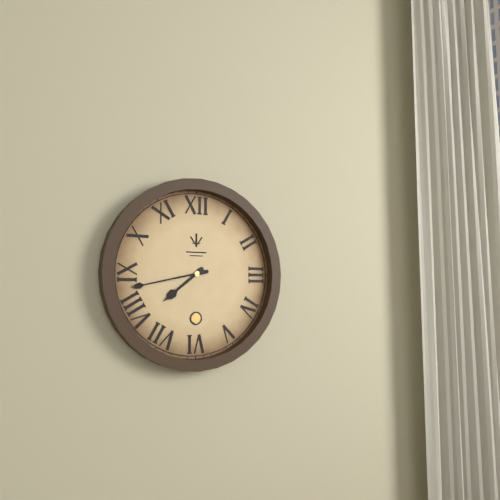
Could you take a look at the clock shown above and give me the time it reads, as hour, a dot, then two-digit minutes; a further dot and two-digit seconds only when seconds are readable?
7.43
